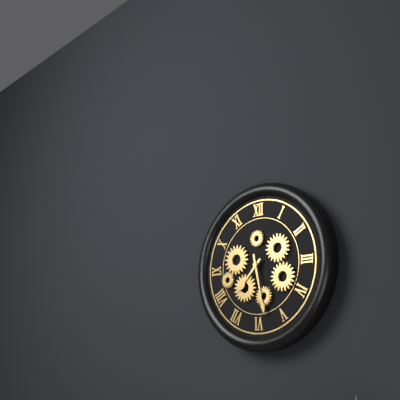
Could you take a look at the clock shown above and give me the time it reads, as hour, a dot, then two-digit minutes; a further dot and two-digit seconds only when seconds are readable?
7.28
